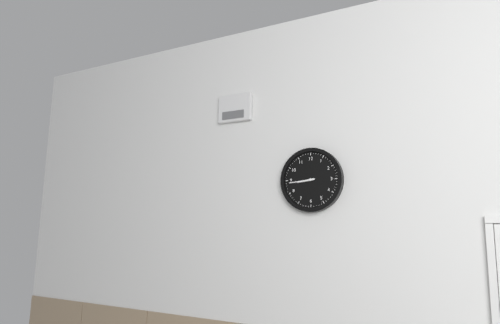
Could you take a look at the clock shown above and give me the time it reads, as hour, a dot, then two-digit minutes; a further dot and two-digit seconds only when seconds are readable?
8.44
